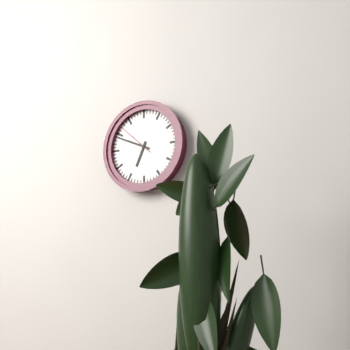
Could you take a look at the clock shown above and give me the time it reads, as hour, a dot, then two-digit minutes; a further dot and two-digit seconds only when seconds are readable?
6.49
